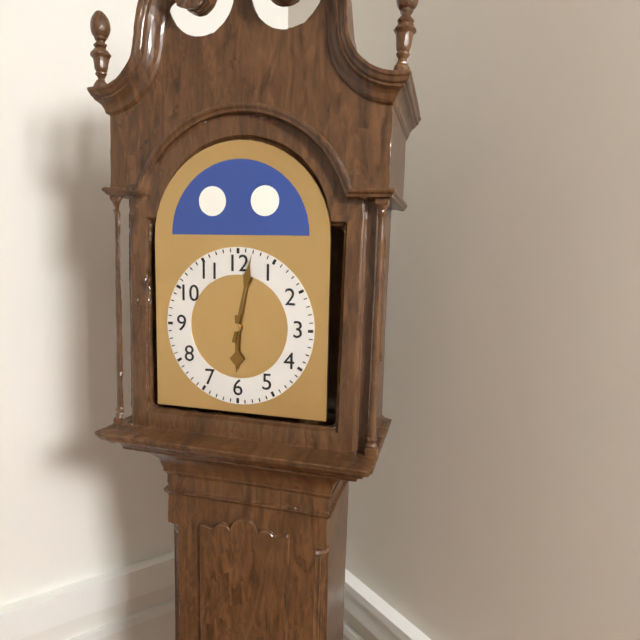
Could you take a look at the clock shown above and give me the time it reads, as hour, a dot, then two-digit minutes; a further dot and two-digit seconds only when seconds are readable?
6.02
